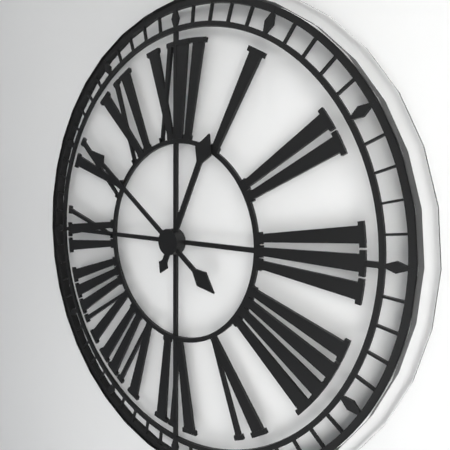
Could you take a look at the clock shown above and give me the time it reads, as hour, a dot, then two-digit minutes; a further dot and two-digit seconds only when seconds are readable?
12.51
